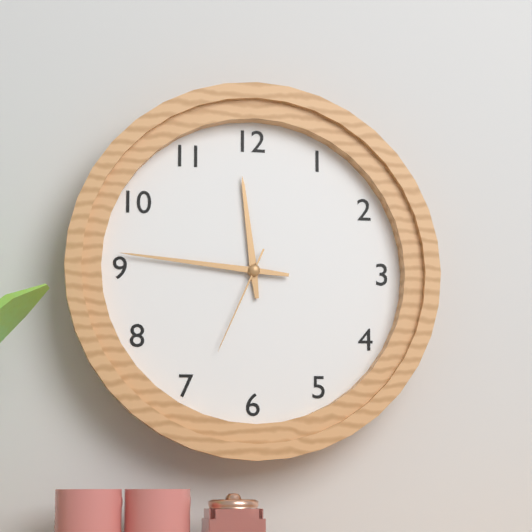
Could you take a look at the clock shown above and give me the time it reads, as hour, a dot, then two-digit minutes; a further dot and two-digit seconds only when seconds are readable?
11.46.34
